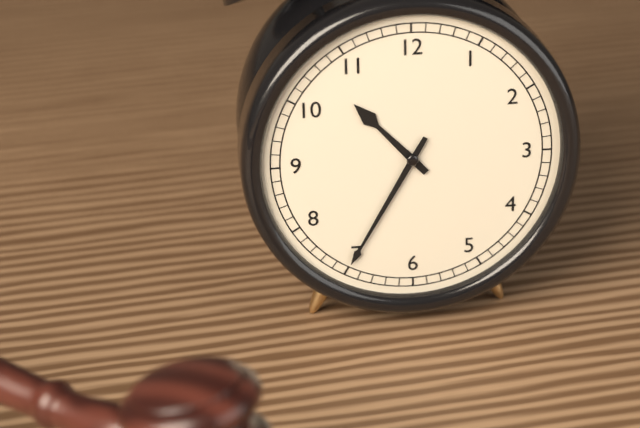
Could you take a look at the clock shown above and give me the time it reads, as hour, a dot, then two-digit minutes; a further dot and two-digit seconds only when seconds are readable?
10.35
